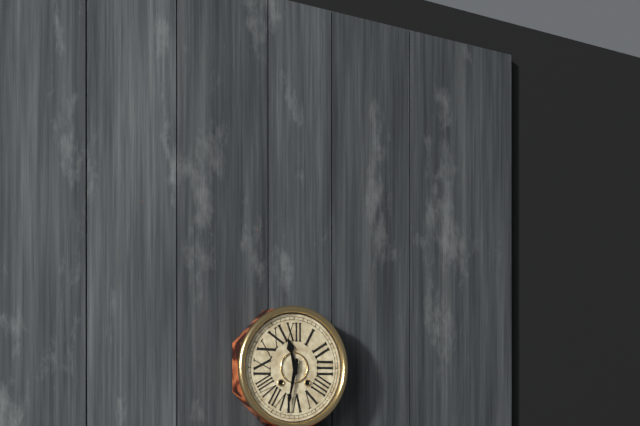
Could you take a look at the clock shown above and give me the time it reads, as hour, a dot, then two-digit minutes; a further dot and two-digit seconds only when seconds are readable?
11.32
